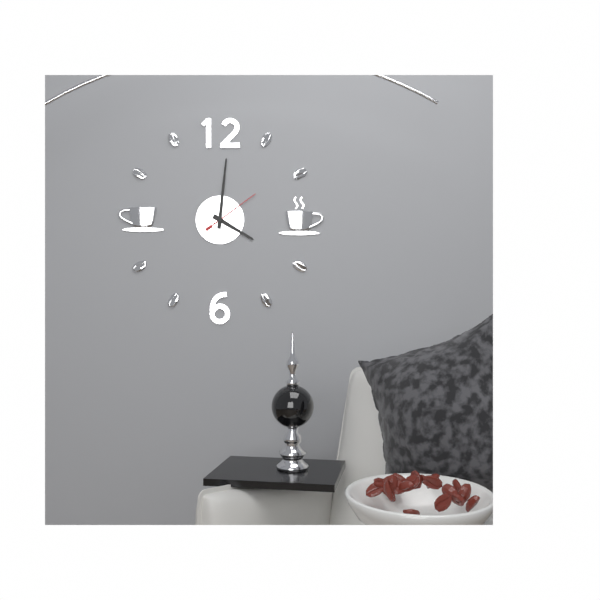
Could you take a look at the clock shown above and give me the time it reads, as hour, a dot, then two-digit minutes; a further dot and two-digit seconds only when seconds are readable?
4.01.09
